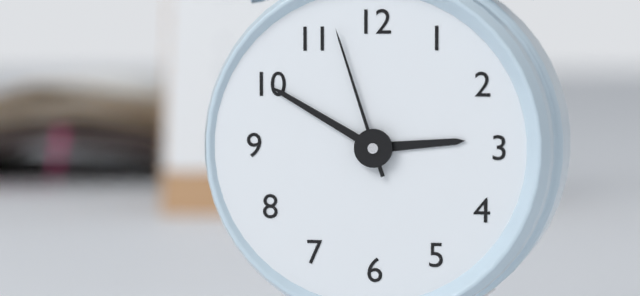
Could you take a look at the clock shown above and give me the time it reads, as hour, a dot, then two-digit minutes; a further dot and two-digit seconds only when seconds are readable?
2.50.57
